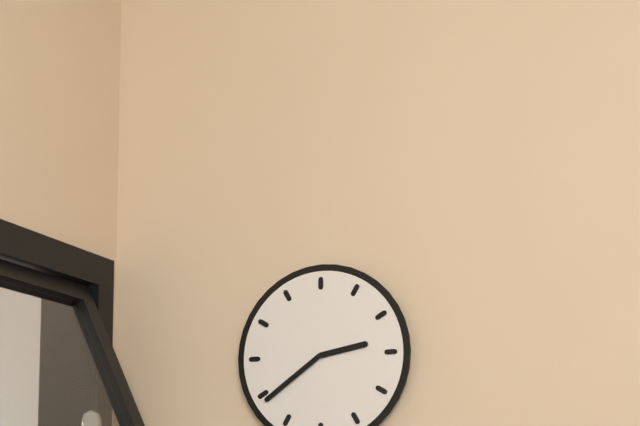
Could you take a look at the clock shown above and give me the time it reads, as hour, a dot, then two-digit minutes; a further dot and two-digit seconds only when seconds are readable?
2.39
